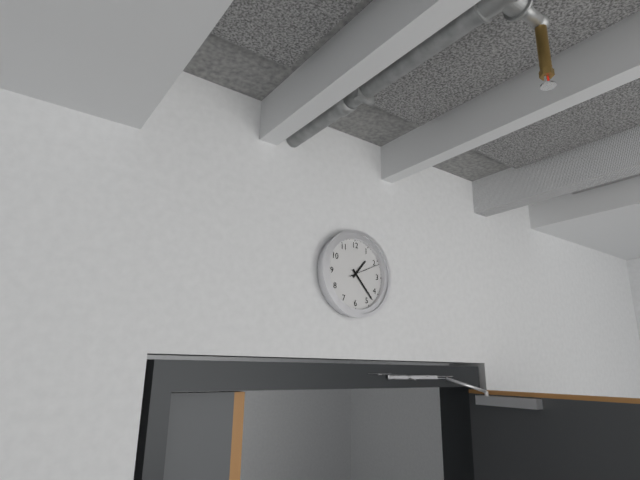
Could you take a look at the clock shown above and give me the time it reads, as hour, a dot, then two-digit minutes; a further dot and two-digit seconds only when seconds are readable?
1.23
